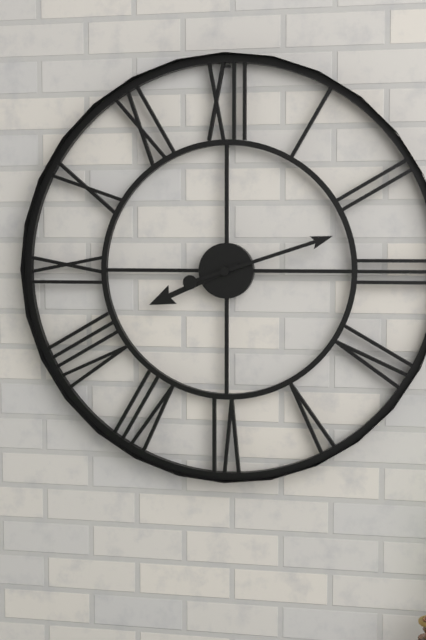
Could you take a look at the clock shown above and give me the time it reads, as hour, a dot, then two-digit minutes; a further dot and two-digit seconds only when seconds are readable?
8.12
